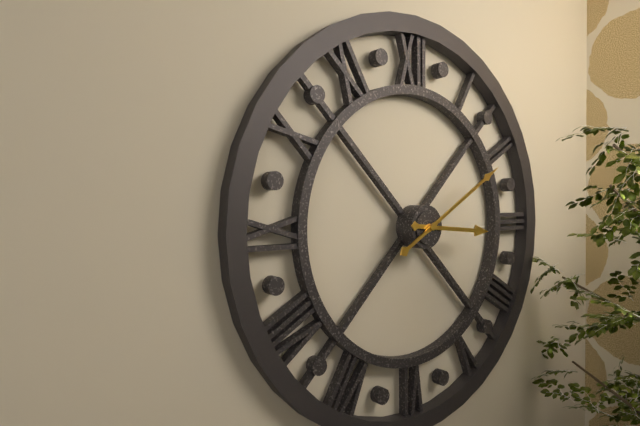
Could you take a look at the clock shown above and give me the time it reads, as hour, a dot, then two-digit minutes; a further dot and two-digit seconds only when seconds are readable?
3.10
